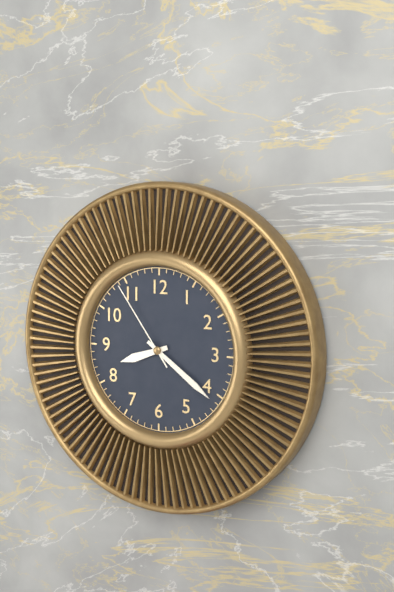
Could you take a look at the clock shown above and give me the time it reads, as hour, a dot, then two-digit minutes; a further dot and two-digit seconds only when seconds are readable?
8.21.54
